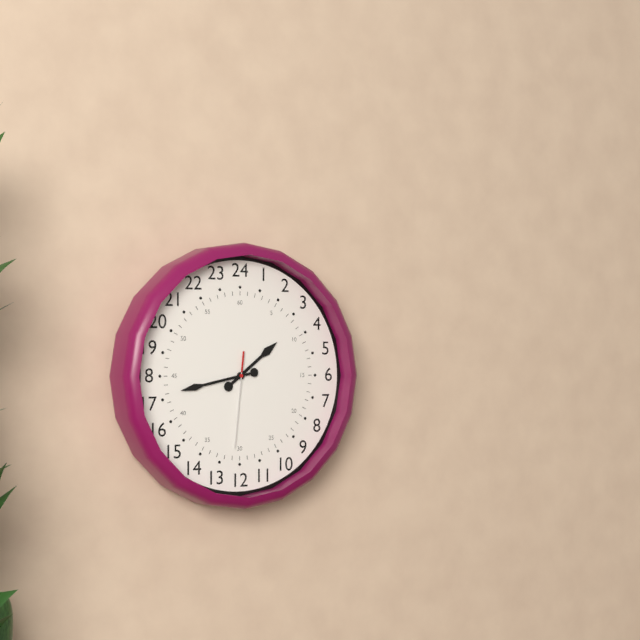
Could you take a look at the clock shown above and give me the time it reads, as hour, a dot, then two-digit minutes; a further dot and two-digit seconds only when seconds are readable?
1.43.31
